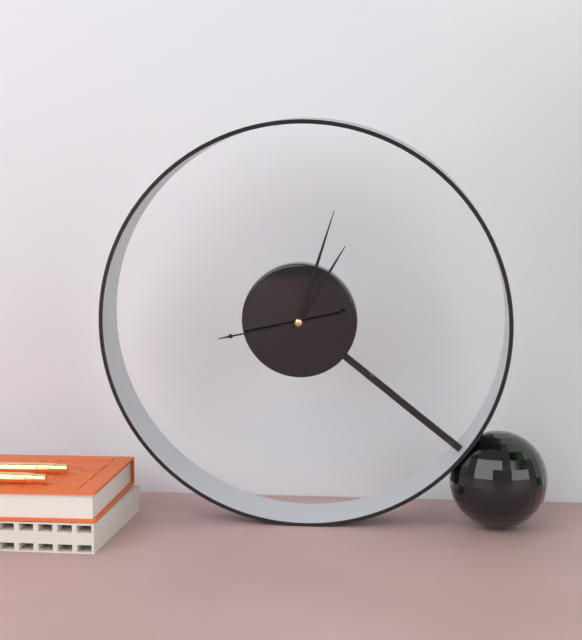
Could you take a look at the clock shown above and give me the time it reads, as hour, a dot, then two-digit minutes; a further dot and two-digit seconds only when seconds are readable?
1.03.43
